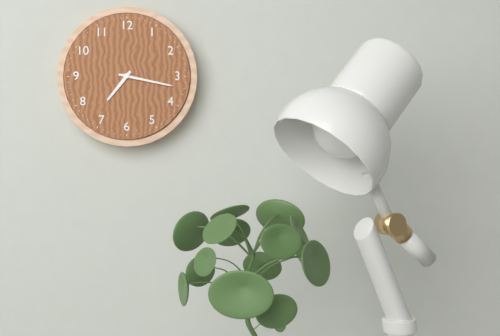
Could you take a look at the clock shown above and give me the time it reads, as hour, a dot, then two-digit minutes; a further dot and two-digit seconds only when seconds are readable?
7.17
